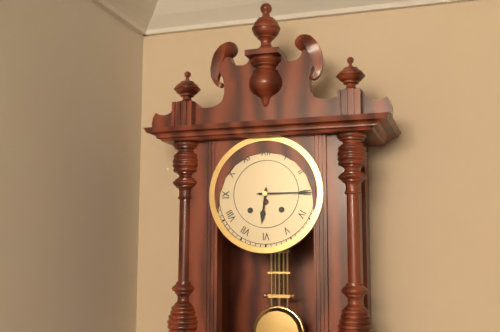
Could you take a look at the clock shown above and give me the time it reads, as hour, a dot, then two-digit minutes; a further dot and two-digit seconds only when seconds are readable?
6.15
